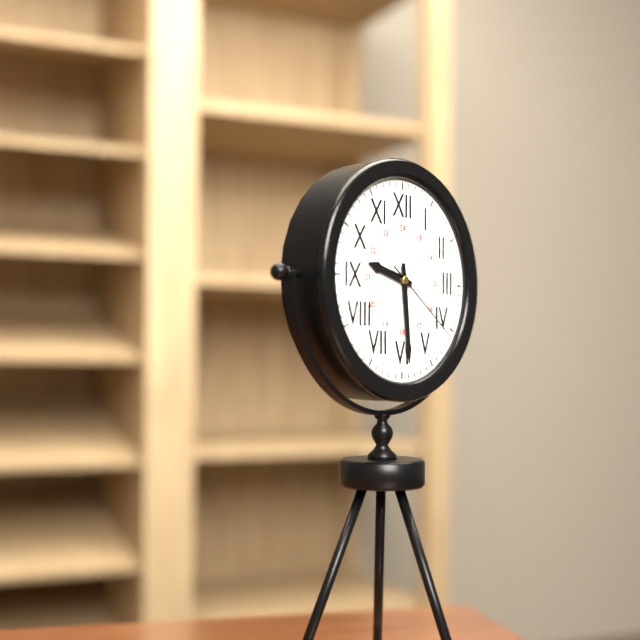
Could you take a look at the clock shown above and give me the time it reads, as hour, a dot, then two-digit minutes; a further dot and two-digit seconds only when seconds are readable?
9.29.21
